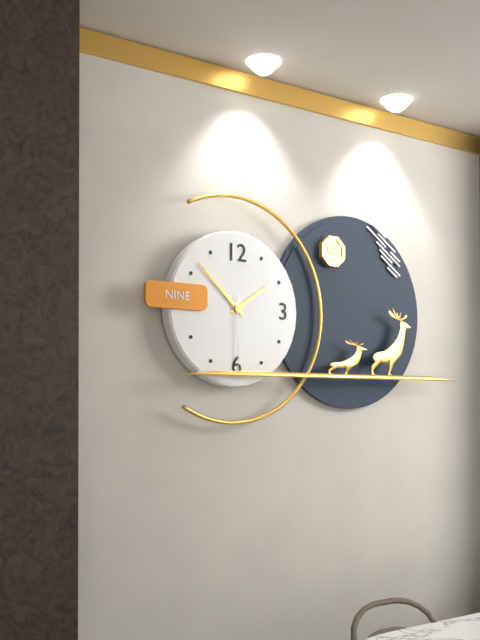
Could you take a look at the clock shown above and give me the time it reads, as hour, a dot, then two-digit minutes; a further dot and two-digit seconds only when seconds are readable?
1.52.30
